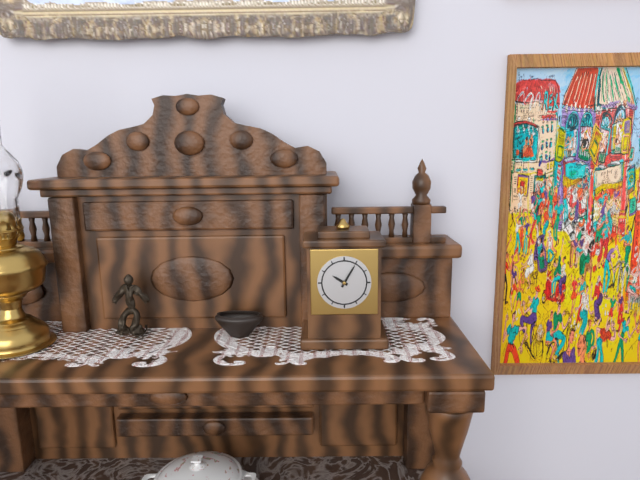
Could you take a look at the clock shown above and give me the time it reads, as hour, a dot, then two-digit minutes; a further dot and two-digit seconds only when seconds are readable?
10.05
